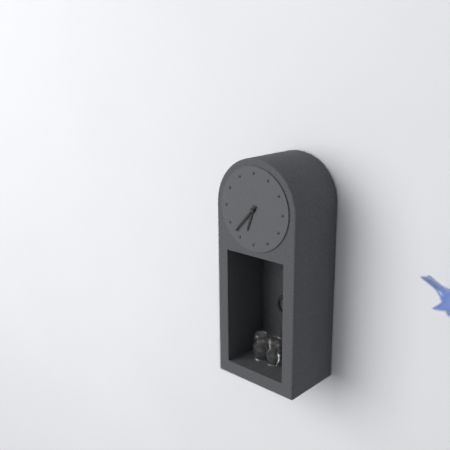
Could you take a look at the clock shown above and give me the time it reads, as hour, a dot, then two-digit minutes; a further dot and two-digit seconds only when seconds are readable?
6.37
